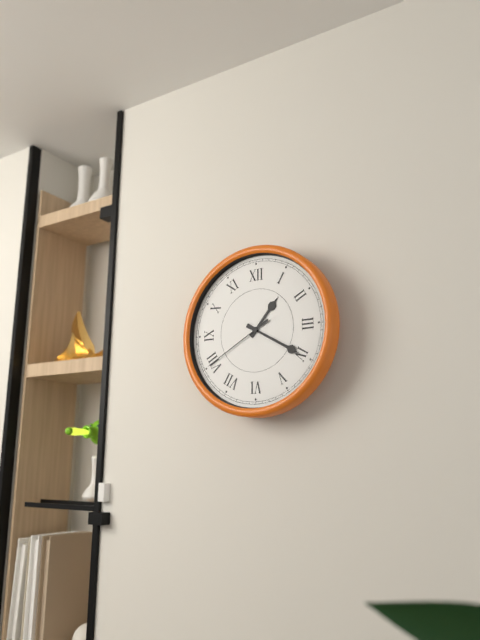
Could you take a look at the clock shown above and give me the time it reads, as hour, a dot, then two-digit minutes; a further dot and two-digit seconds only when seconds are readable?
1.20.40
